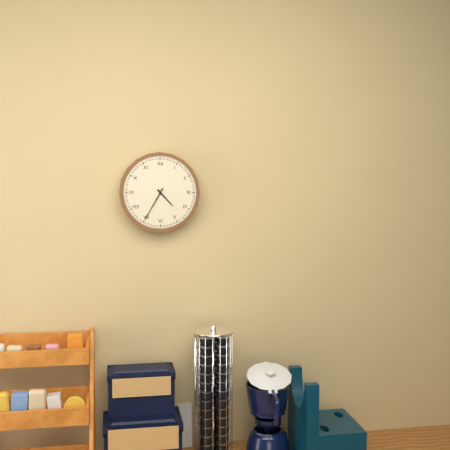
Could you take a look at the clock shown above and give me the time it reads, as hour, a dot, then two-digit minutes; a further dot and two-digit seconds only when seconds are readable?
4.35
